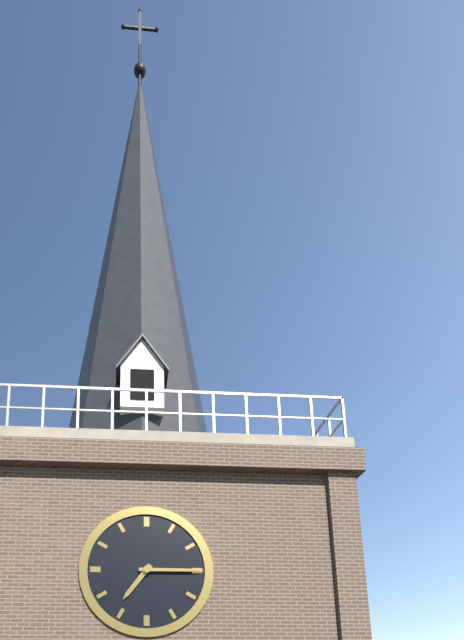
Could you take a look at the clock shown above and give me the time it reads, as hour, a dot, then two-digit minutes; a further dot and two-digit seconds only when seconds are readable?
7.15
